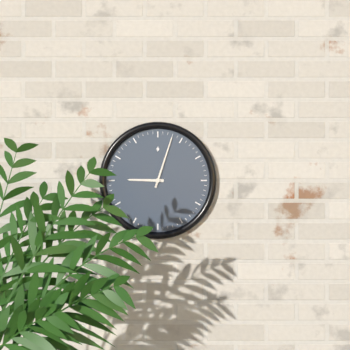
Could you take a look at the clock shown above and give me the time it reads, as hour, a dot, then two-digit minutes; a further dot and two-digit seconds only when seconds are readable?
9.03
